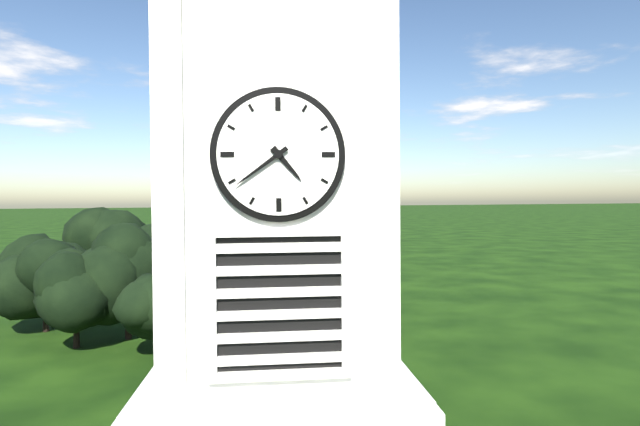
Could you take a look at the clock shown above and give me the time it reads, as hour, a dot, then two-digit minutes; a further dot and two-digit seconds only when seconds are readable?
4.39
